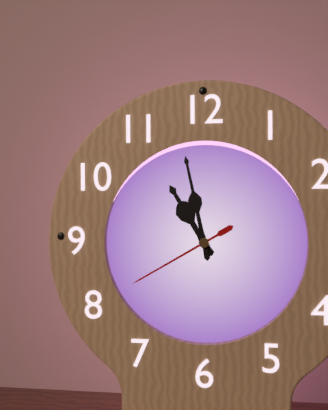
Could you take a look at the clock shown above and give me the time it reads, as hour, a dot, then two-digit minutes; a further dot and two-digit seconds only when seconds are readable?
10.58.40
